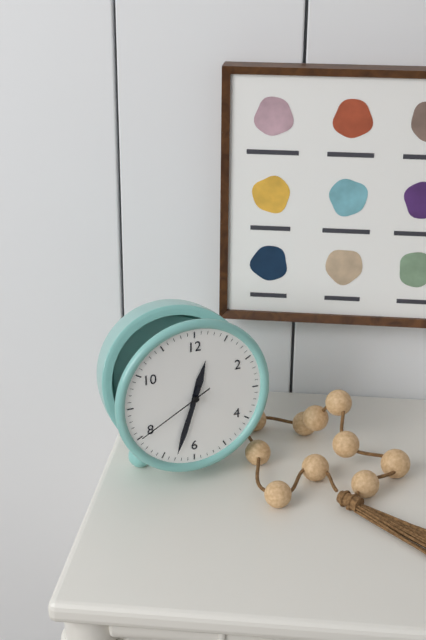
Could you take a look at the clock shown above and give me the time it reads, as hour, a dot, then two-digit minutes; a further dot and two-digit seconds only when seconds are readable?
12.33.40
